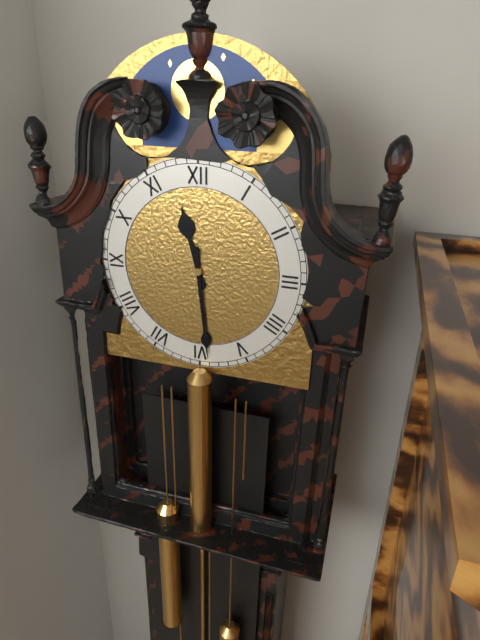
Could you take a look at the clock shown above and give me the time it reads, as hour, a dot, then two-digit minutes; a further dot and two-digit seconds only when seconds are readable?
11.29
